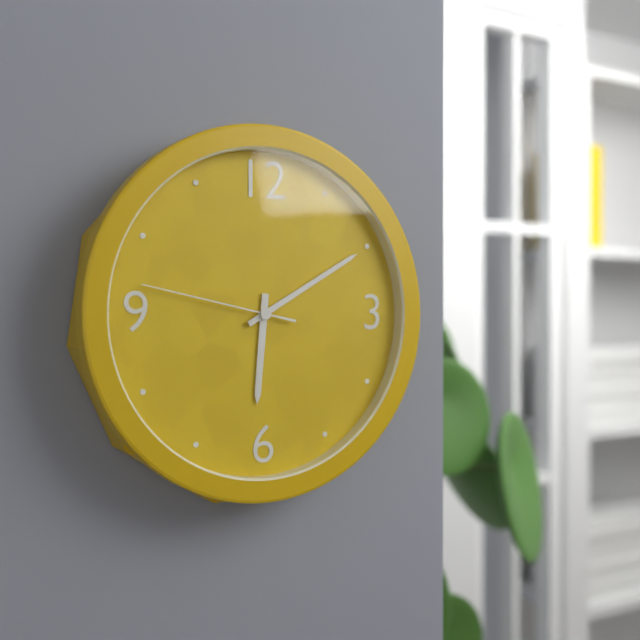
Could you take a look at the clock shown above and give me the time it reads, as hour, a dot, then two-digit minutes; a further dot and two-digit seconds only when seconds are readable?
6.10.47
